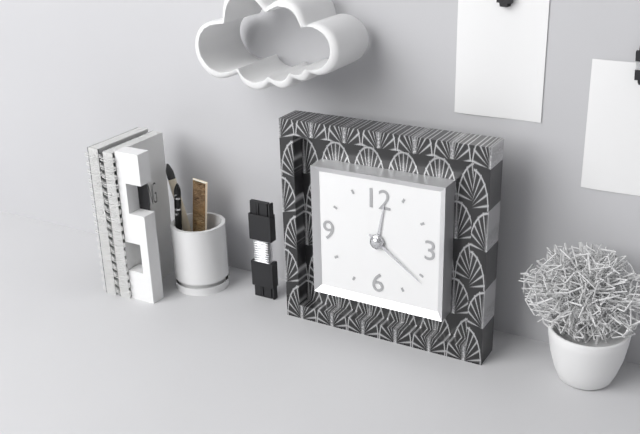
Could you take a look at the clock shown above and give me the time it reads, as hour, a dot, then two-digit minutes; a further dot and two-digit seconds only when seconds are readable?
12.21
